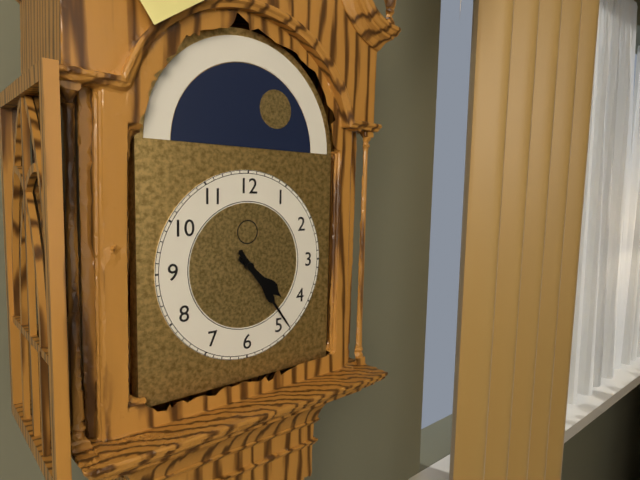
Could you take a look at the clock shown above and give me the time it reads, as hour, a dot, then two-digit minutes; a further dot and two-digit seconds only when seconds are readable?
4.24
